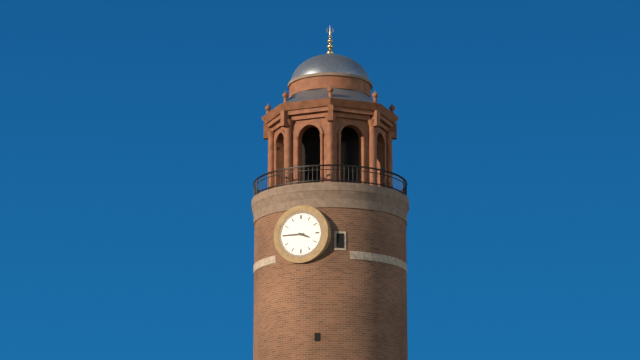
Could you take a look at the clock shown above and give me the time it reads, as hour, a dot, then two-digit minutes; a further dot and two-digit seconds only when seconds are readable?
3.45
